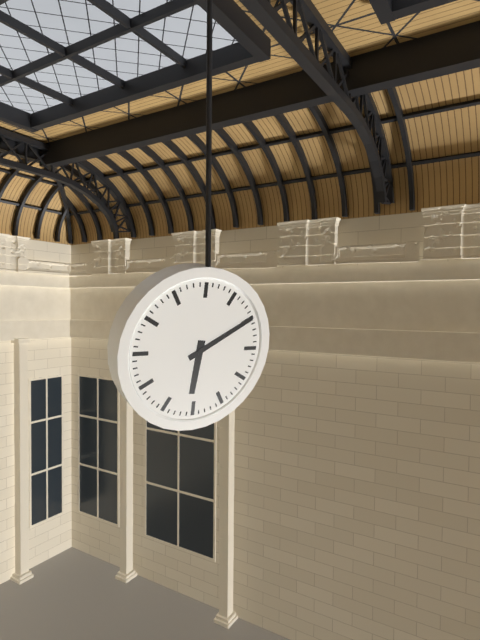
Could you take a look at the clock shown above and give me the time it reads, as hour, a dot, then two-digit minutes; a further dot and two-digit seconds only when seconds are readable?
6.10
